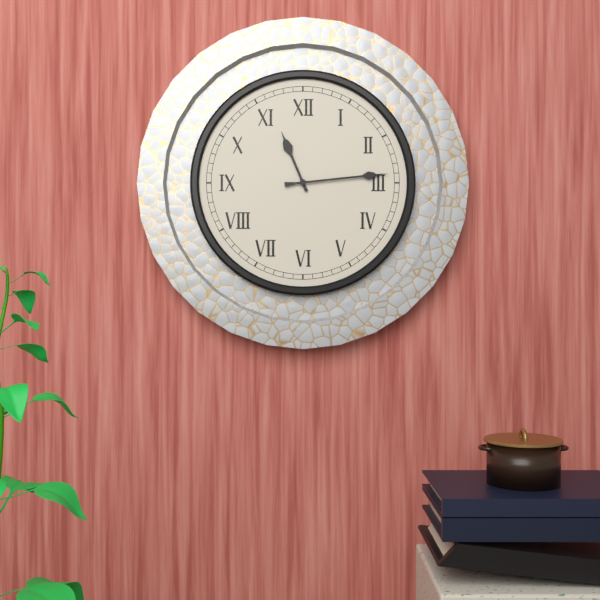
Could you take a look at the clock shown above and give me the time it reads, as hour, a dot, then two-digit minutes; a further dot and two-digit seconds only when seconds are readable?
11.14
